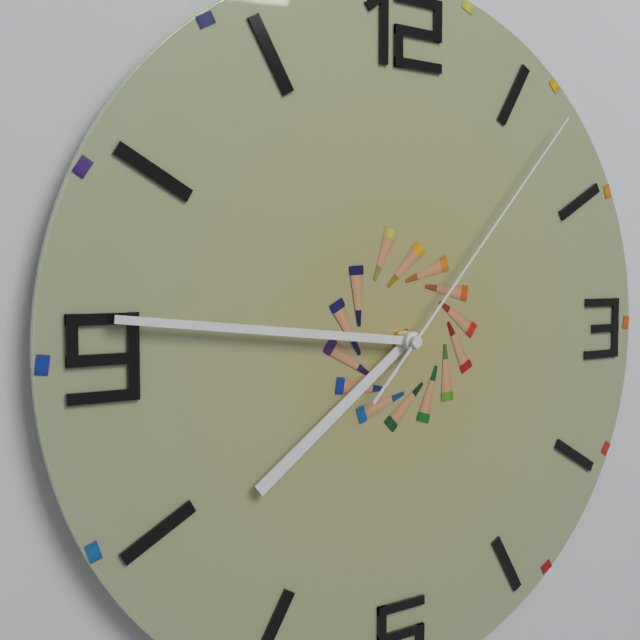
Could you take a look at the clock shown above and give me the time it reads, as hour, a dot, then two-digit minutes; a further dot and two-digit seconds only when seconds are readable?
7.46.07
